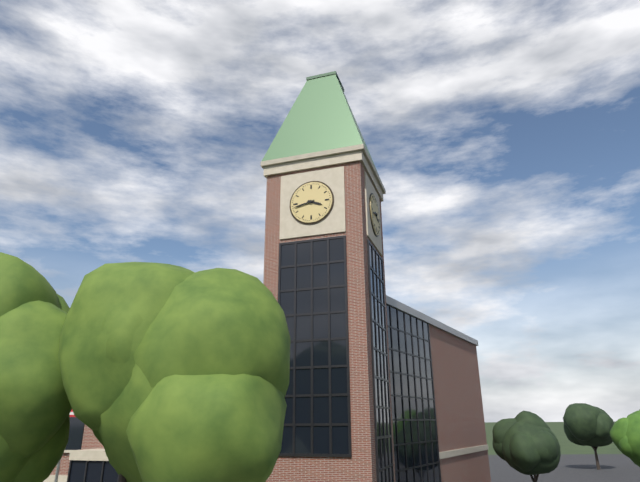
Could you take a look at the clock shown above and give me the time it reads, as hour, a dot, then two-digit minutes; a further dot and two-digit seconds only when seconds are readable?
3.43
